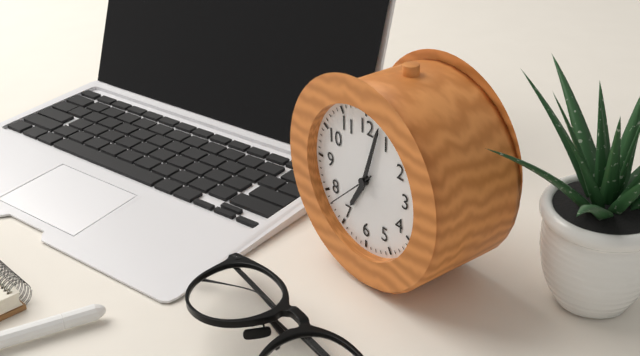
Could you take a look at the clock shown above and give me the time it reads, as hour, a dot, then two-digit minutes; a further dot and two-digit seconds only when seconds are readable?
7.03
